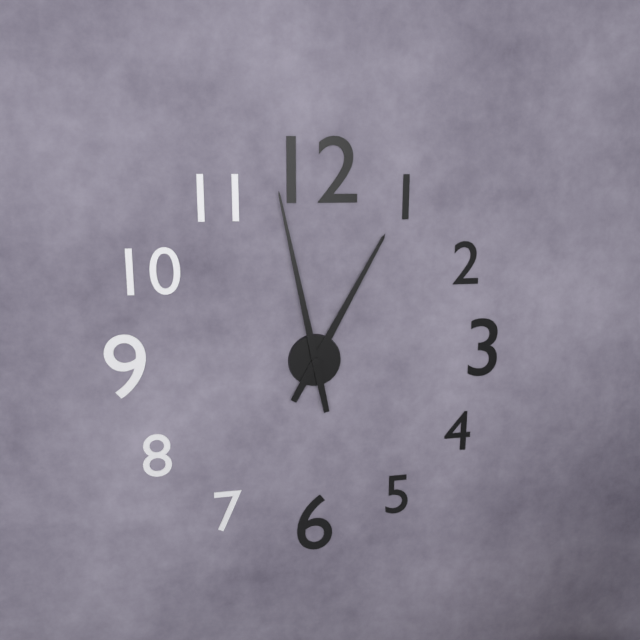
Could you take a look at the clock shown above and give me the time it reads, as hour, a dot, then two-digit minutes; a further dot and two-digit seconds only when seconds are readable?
12.58
